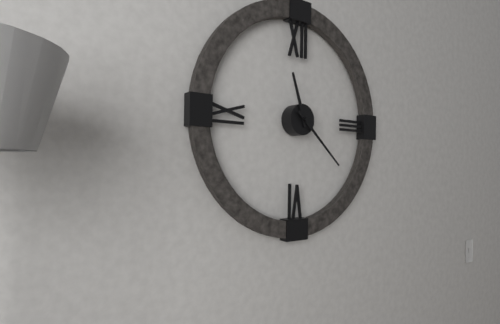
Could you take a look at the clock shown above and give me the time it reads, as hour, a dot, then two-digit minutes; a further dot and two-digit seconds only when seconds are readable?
11.22
